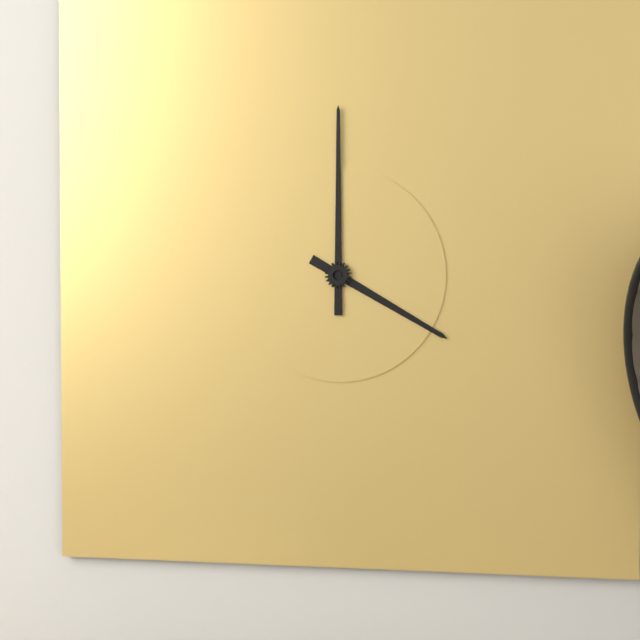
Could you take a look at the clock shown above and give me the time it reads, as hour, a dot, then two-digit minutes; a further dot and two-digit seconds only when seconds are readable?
4.00
